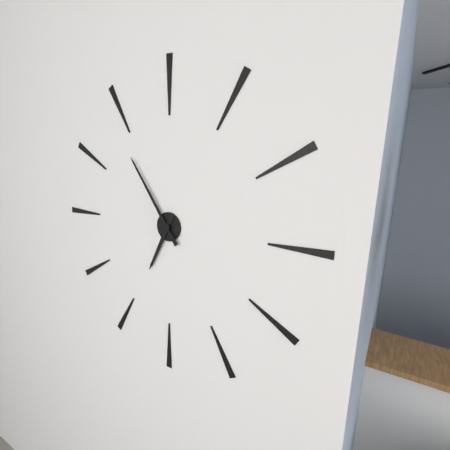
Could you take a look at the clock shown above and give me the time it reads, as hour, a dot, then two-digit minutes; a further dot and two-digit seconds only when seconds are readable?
6.54
